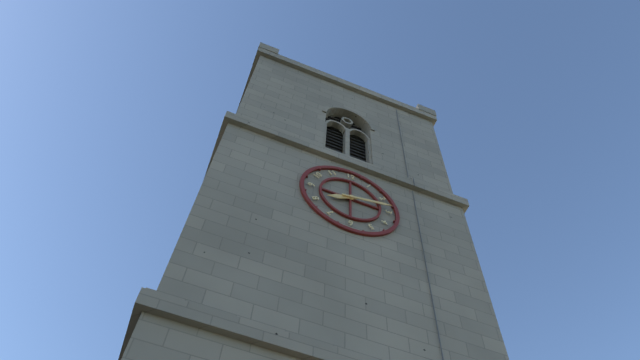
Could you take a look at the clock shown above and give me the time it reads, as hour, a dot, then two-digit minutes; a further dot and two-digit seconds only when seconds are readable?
8.13
